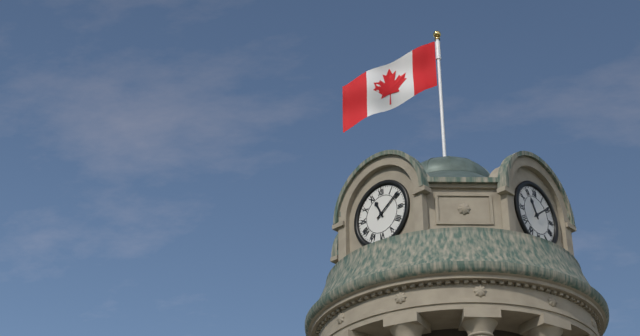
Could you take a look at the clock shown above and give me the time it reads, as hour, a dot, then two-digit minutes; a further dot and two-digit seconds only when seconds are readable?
11.09
